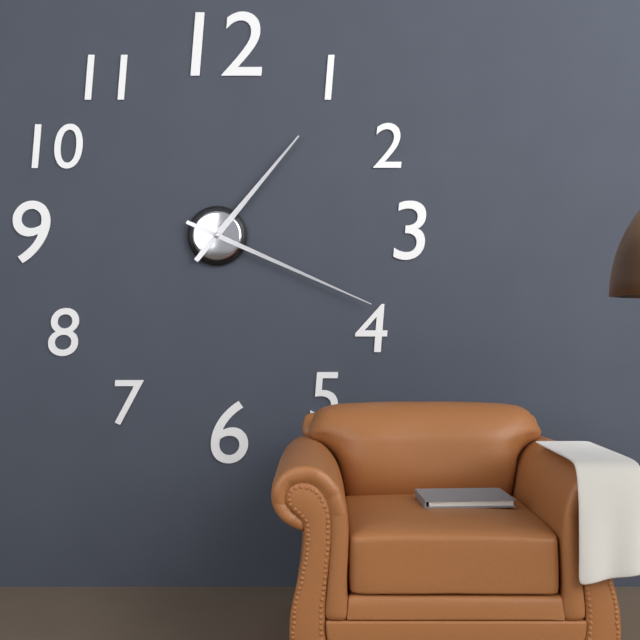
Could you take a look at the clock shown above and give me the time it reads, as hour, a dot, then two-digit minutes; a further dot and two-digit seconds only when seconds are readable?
1.19
